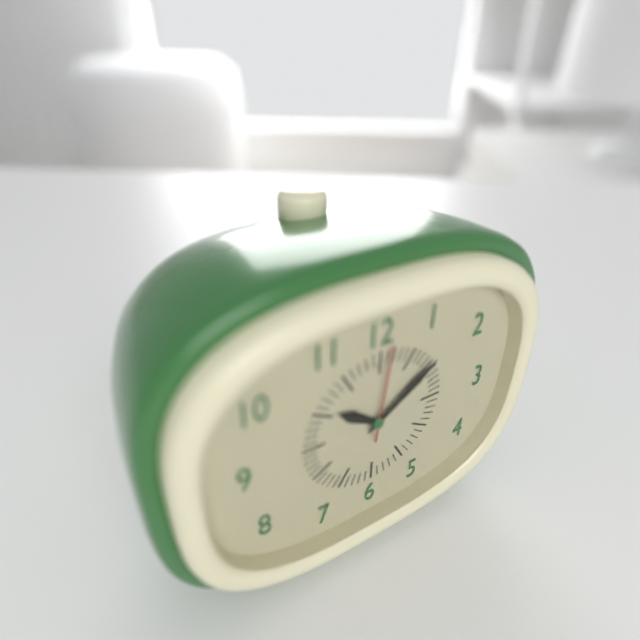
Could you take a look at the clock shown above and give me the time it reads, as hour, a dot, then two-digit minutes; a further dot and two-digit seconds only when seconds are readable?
10.09.01
